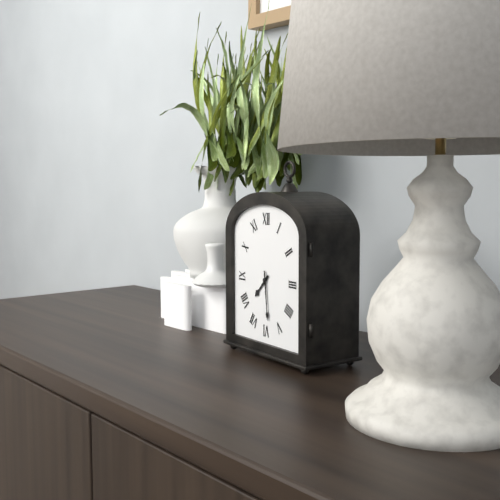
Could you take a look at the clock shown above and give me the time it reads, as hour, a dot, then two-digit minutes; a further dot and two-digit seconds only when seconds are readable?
7.29
